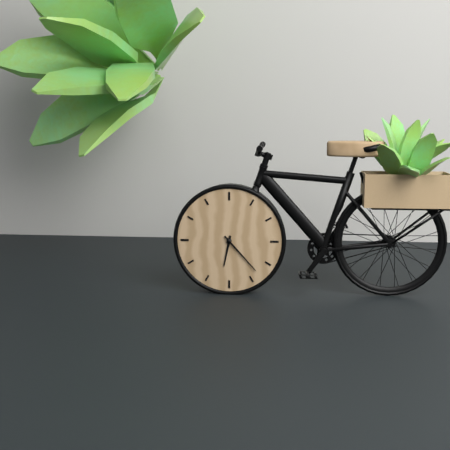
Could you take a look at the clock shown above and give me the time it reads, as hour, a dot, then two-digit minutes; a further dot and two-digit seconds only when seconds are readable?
6.23
